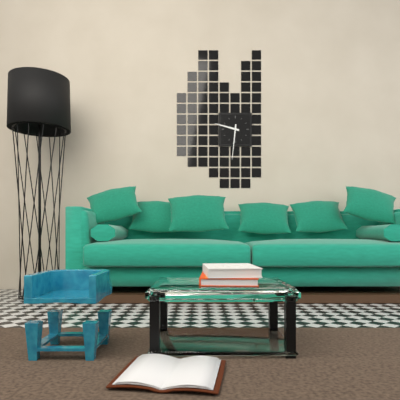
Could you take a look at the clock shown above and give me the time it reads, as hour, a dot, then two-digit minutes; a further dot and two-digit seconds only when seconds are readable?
9.31
